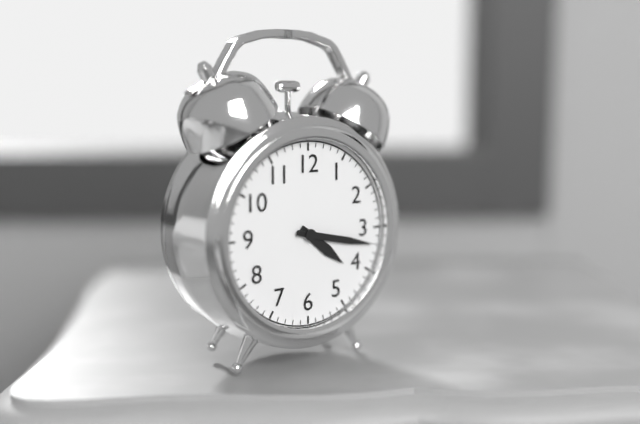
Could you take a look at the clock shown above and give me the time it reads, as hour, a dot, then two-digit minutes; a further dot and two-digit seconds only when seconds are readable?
4.17
